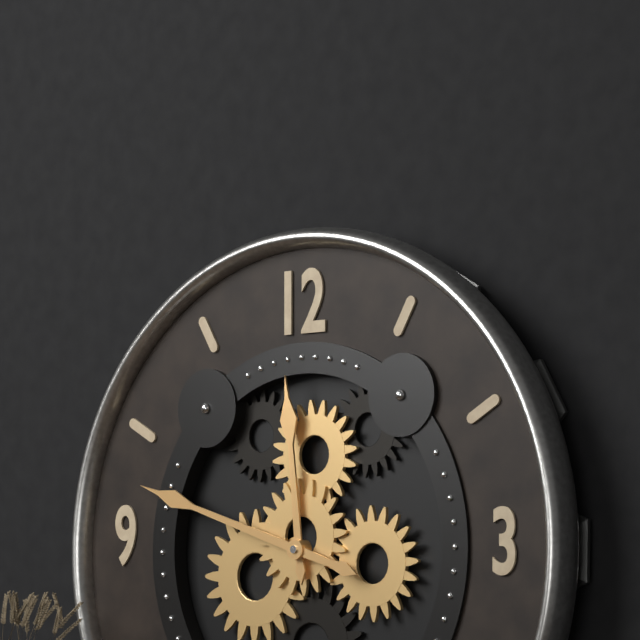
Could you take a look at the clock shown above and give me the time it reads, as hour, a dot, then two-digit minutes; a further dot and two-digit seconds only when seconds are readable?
11.48
